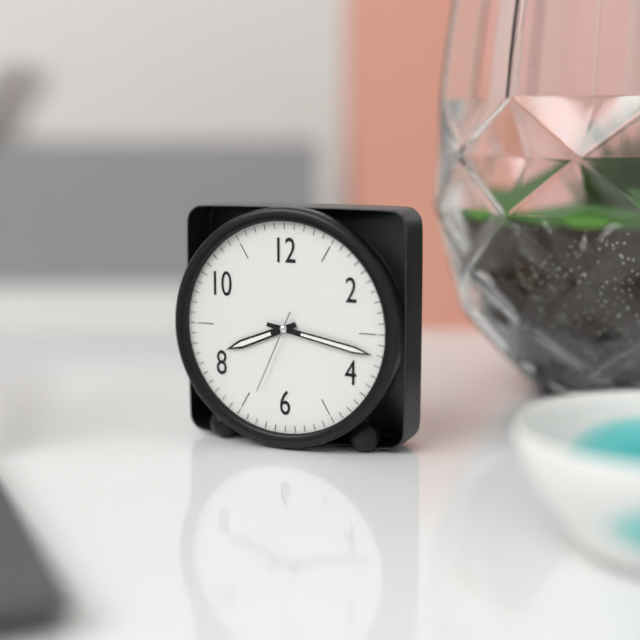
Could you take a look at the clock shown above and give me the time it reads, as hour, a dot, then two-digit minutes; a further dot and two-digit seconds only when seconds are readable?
8.17.34
